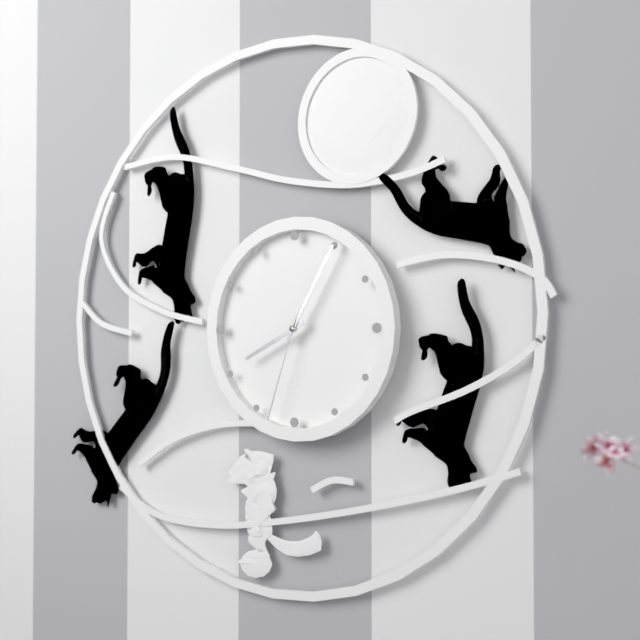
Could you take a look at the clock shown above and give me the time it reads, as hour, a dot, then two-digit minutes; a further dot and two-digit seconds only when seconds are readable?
8.05.33
